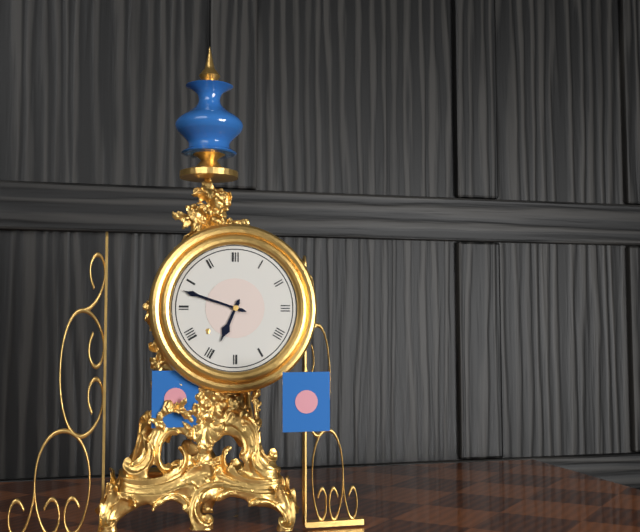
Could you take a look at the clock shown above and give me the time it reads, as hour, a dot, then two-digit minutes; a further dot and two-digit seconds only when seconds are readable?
6.48
